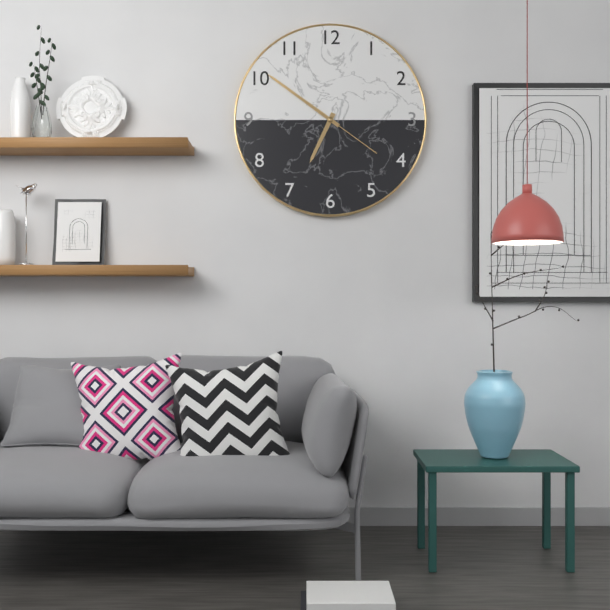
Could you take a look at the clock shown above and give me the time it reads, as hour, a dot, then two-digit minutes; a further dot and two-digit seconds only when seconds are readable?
6.51.51
